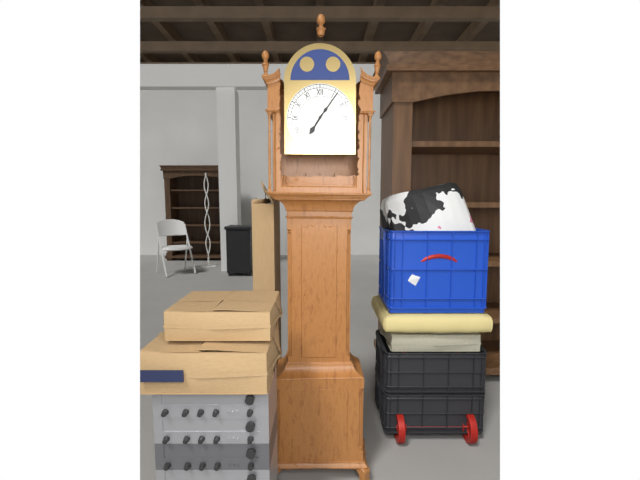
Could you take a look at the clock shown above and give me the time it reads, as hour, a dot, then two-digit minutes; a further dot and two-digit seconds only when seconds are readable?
7.06
